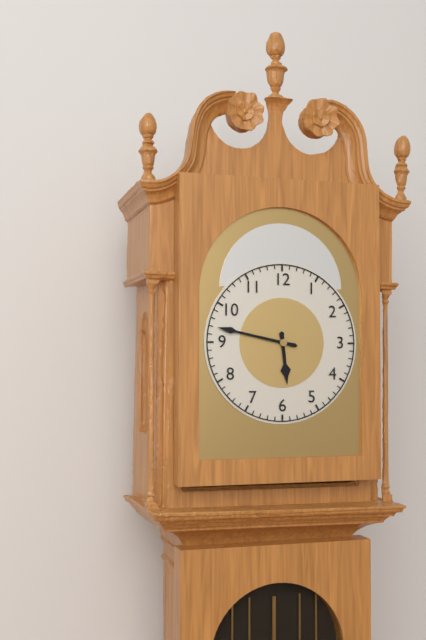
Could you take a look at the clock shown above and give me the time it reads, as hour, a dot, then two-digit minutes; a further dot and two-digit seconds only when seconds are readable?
5.47
